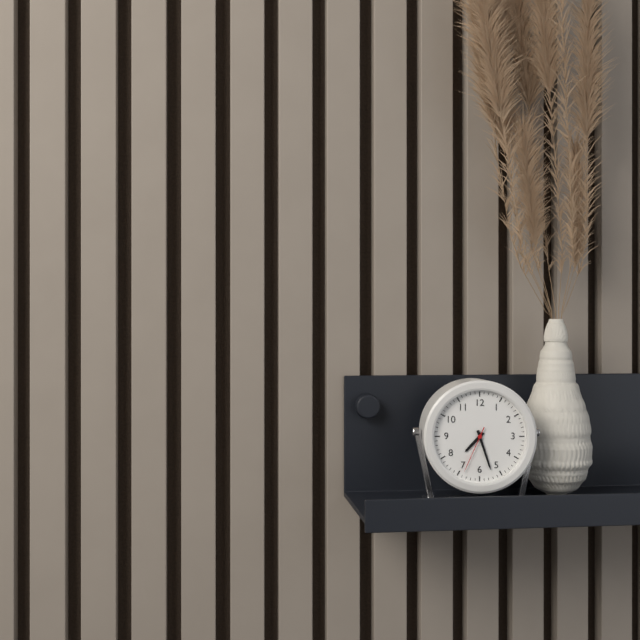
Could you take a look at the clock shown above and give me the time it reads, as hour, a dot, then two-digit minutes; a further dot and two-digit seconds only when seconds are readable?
7.27
